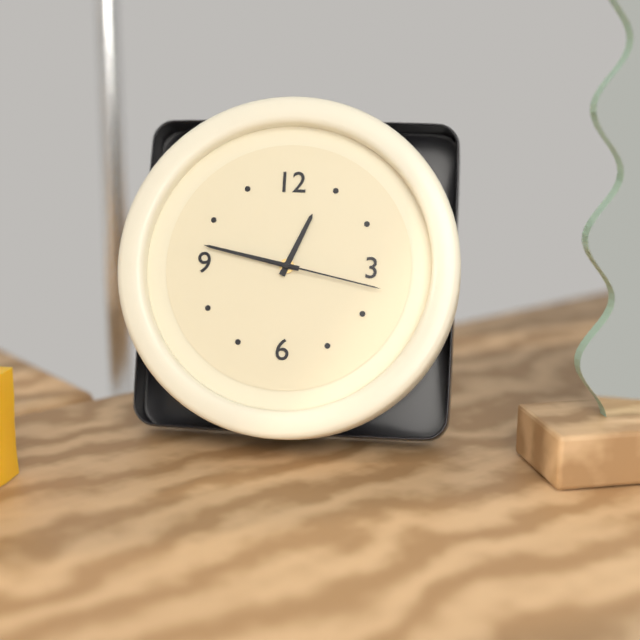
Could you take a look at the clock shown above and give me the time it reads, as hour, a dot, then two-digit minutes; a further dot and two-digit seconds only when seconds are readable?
12.47.17
